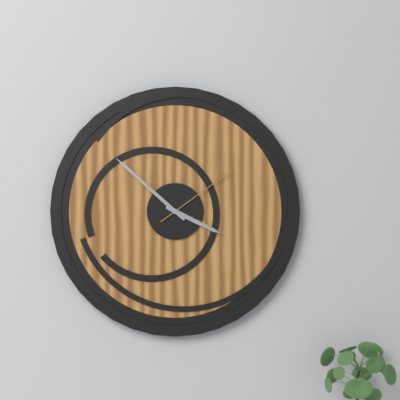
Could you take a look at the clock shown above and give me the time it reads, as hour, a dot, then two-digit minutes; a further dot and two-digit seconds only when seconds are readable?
3.52.09
